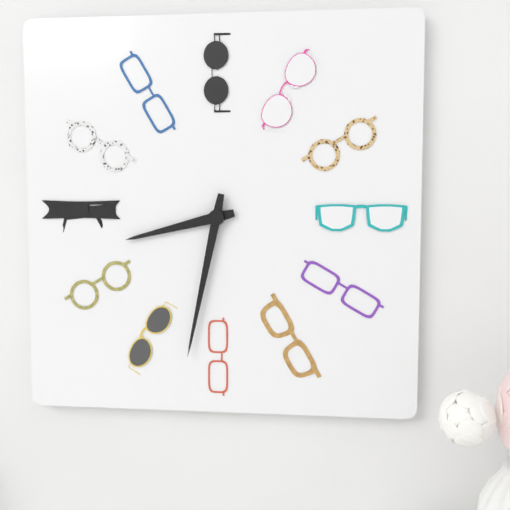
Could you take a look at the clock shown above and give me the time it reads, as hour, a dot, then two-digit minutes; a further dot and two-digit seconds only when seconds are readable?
8.32
